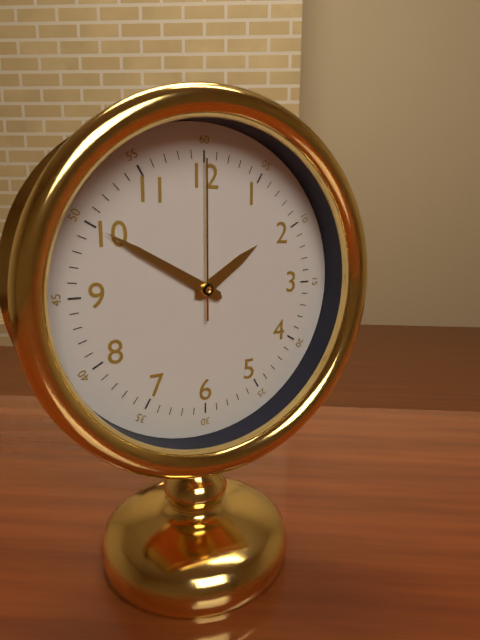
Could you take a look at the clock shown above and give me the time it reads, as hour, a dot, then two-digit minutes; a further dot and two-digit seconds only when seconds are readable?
1.50.00
